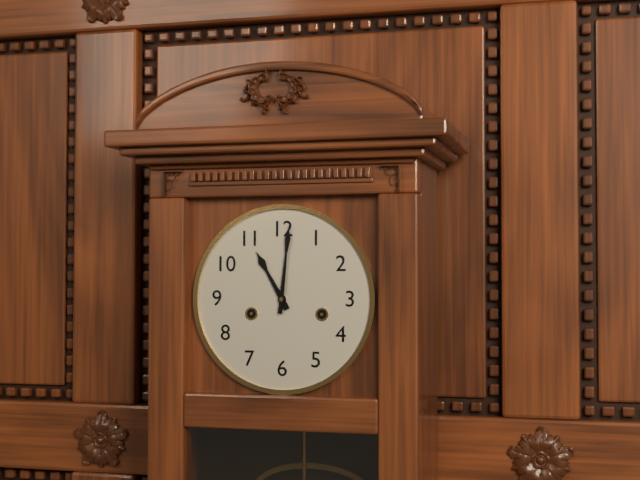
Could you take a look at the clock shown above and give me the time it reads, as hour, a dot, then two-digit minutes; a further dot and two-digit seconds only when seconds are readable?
11.01
